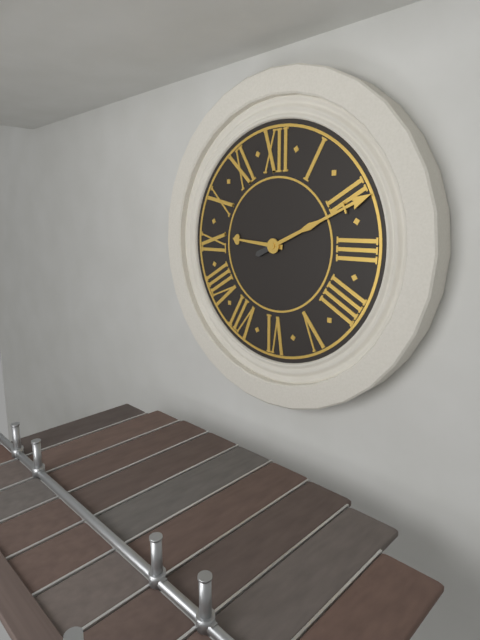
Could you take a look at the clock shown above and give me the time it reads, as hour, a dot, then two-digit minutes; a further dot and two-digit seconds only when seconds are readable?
9.11
